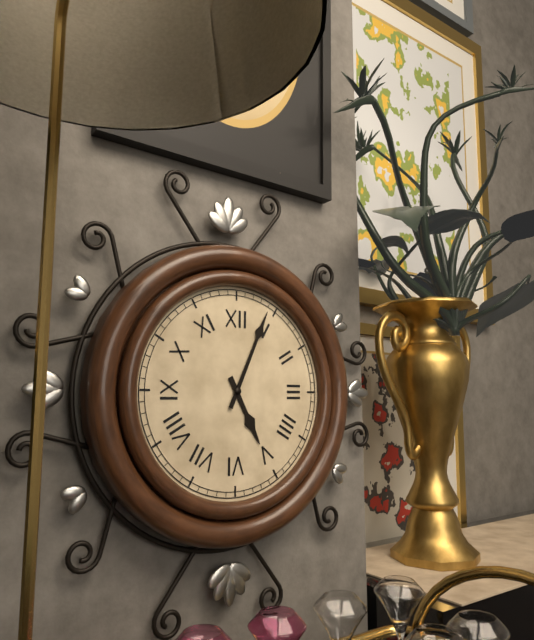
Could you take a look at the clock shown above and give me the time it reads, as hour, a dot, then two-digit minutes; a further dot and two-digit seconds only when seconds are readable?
5.04
